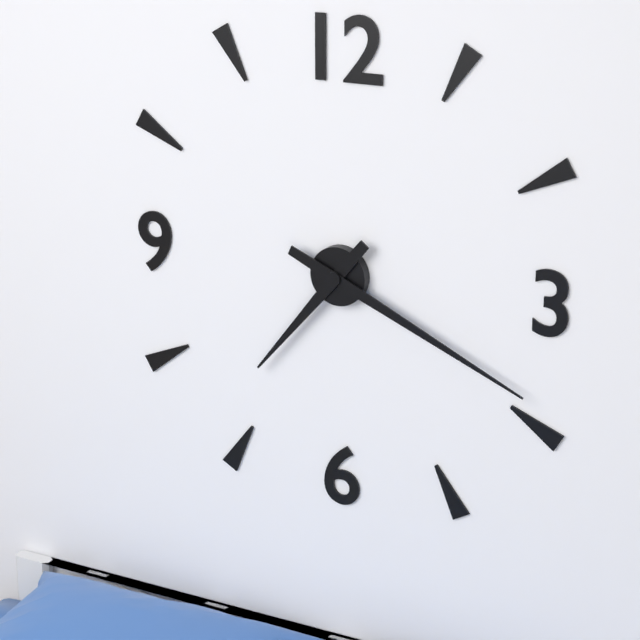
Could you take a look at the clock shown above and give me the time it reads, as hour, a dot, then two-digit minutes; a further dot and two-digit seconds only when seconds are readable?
7.19
